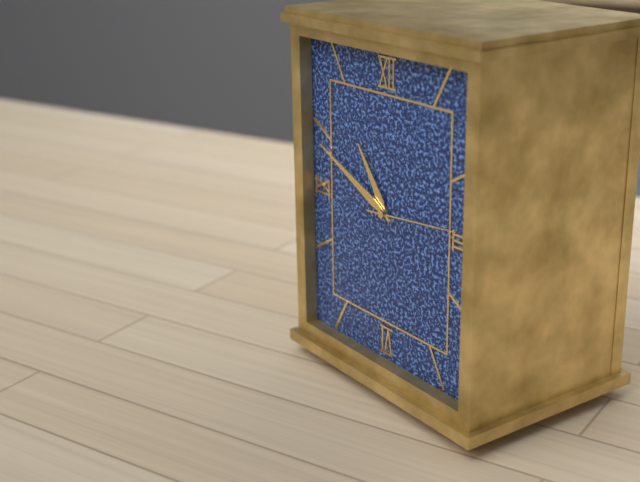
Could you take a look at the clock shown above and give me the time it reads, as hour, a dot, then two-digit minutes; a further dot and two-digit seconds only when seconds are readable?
10.49.14
